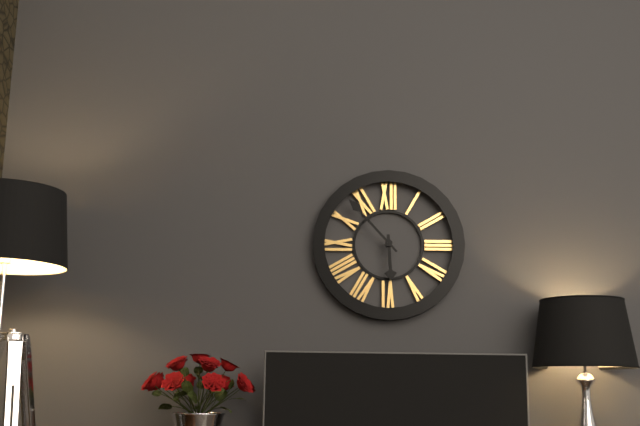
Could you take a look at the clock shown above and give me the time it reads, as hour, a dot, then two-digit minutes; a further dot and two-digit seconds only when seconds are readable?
5.53
